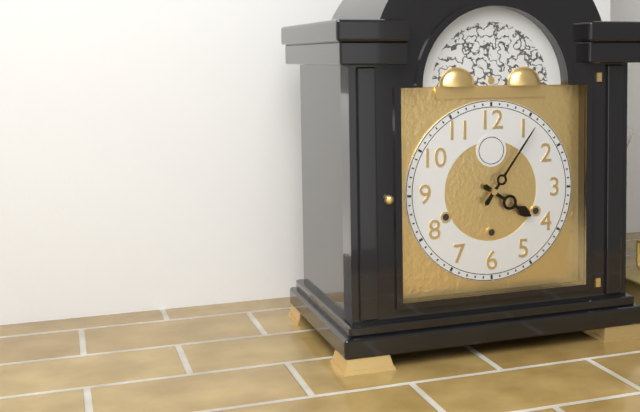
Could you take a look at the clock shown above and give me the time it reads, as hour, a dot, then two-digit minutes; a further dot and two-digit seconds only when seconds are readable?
4.06
